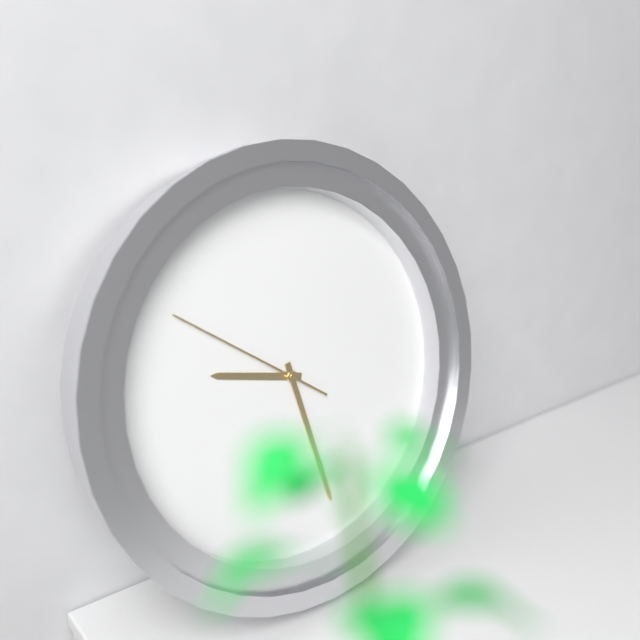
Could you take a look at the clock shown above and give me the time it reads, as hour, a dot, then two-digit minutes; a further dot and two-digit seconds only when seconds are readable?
9.28.51
